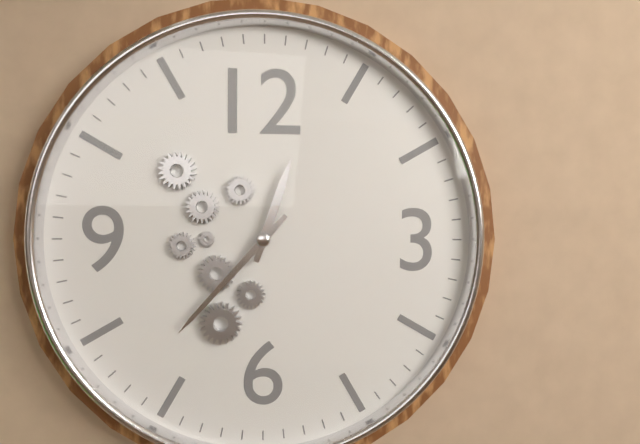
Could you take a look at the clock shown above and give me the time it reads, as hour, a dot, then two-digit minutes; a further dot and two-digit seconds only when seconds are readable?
12.37
